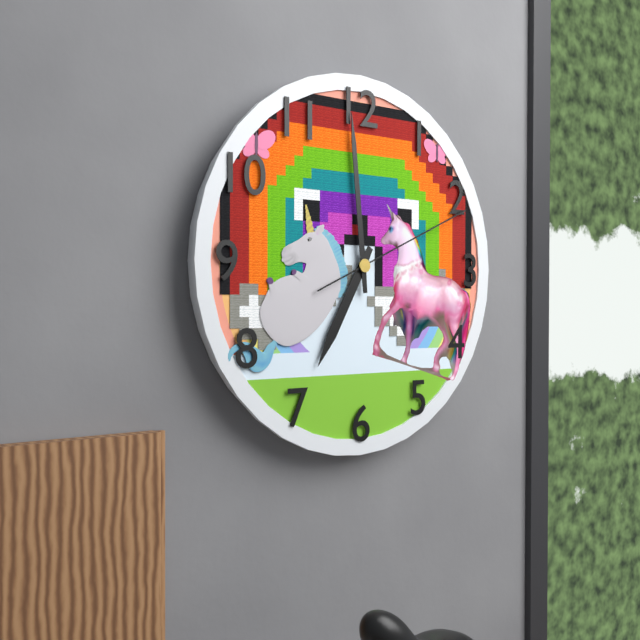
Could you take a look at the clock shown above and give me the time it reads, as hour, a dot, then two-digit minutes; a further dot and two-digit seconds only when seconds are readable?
6.59.11
